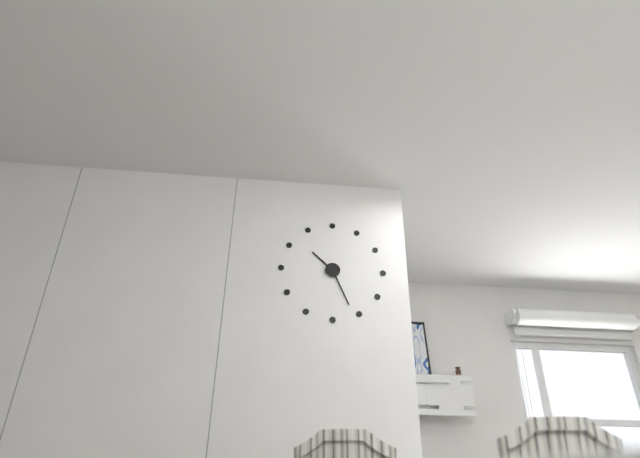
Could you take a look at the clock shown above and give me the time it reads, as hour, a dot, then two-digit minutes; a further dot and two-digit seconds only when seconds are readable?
10.26
